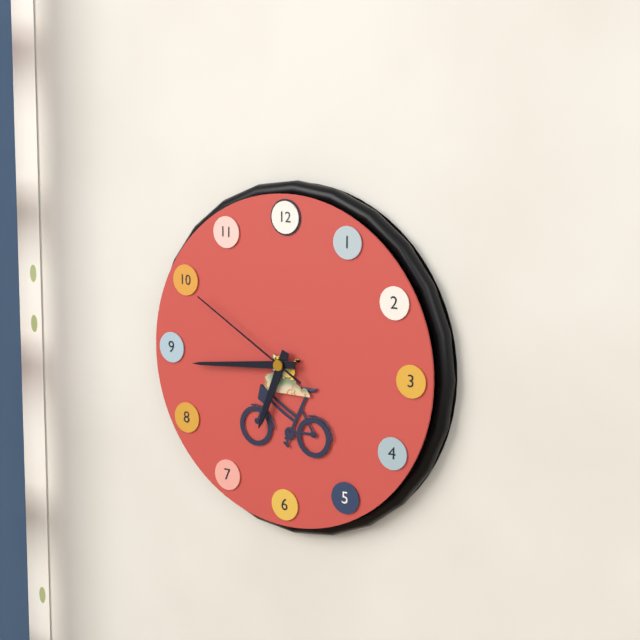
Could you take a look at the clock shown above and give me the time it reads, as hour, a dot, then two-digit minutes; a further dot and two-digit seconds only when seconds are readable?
6.44.50
